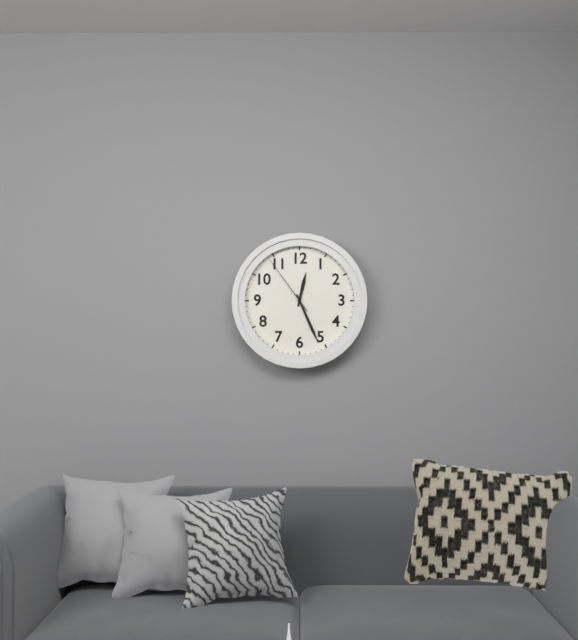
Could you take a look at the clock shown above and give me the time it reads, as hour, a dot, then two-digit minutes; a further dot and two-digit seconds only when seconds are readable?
12.26.54
